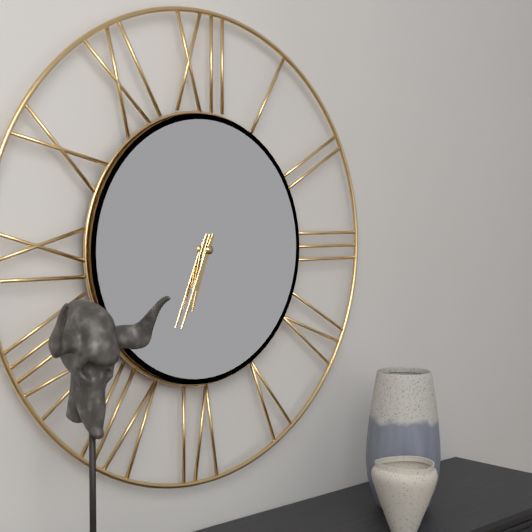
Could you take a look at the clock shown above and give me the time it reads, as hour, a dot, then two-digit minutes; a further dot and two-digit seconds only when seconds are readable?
6.34
